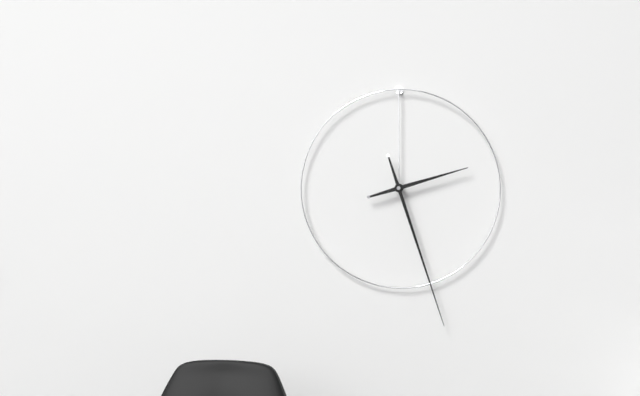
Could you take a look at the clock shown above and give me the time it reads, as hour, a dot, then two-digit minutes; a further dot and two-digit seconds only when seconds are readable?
2.27
